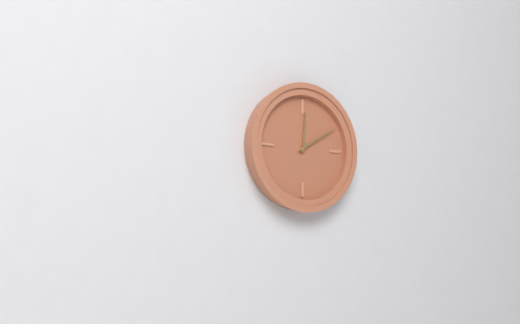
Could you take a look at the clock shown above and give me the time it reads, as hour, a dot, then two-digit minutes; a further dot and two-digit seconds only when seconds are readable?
12.10
